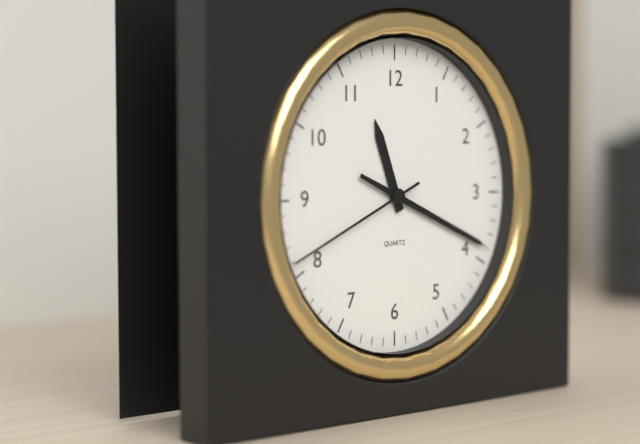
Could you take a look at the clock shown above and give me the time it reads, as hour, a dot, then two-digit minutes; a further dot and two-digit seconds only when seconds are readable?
11.19.41
